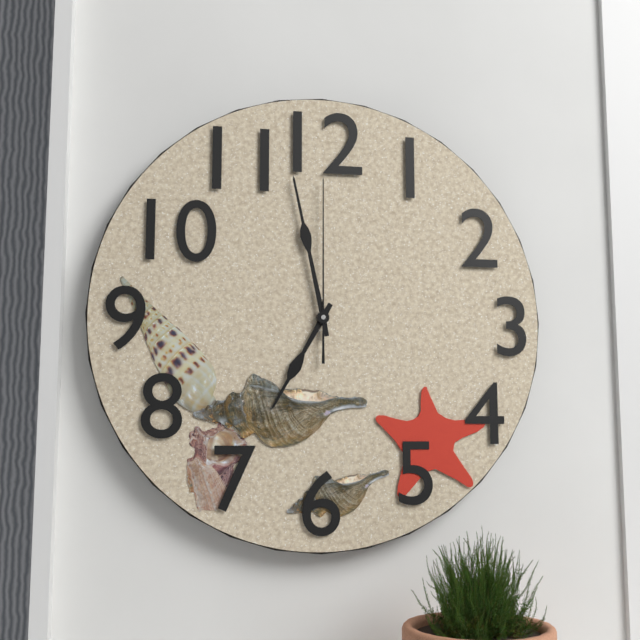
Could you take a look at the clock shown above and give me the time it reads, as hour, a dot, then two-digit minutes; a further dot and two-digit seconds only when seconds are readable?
6.58.00
